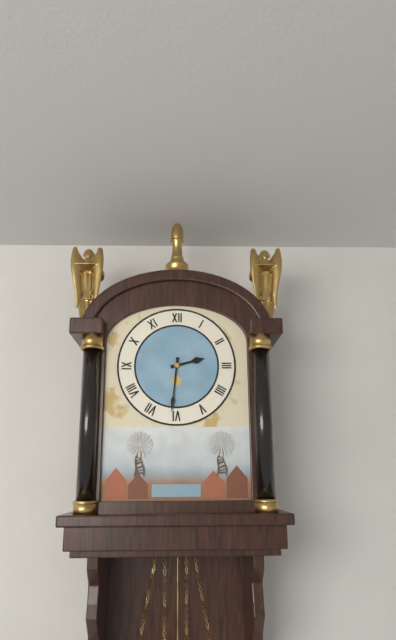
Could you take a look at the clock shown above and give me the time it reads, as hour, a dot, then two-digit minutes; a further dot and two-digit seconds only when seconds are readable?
2.31
